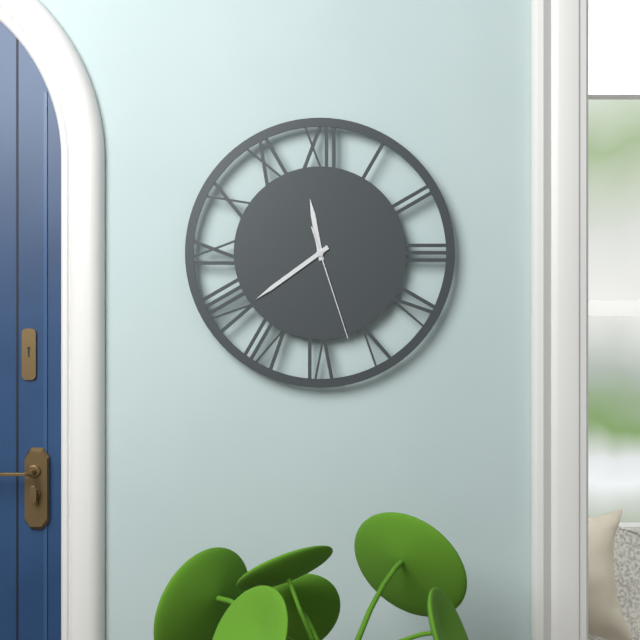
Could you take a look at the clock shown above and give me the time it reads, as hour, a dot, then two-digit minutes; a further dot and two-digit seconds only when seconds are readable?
11.39.27
